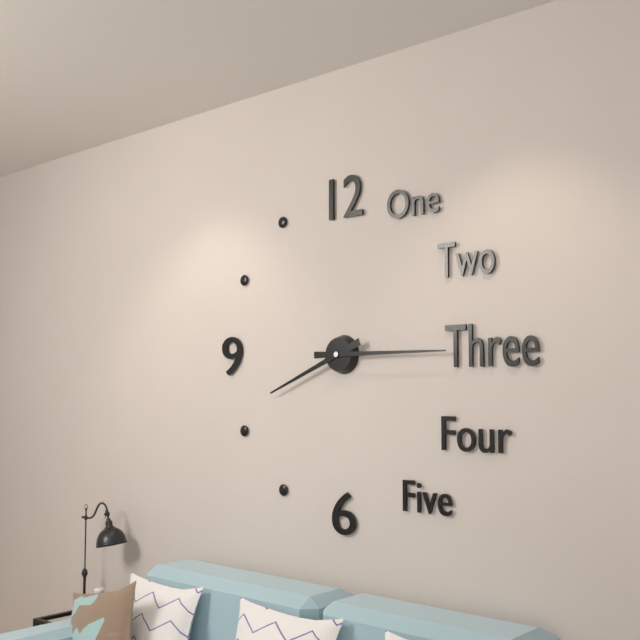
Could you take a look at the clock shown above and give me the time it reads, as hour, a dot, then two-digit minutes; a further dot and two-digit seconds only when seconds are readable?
8.15
